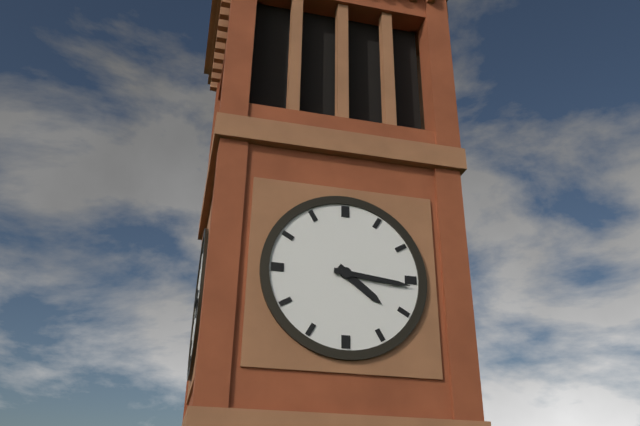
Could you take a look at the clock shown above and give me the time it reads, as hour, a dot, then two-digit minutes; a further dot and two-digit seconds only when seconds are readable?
4.16
